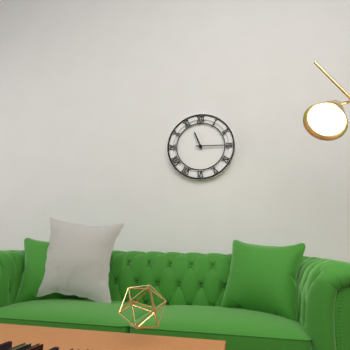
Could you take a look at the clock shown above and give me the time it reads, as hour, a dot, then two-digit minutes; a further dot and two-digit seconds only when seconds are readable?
11.15
